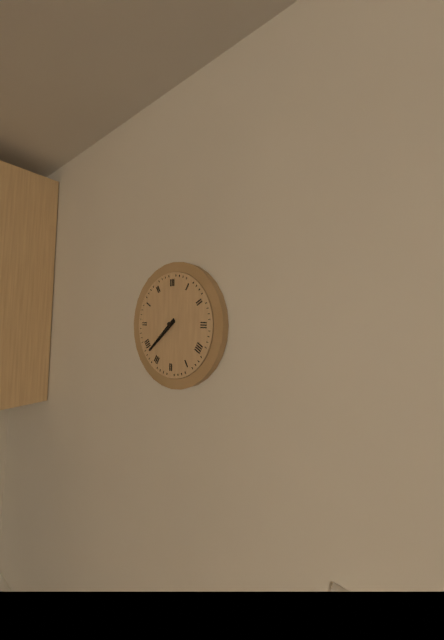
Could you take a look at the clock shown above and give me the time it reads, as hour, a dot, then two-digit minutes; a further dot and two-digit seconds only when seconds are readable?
7.38
